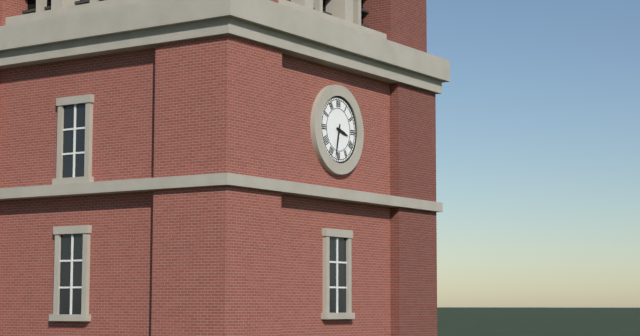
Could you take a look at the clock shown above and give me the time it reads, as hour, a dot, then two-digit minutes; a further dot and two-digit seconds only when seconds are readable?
3.32
